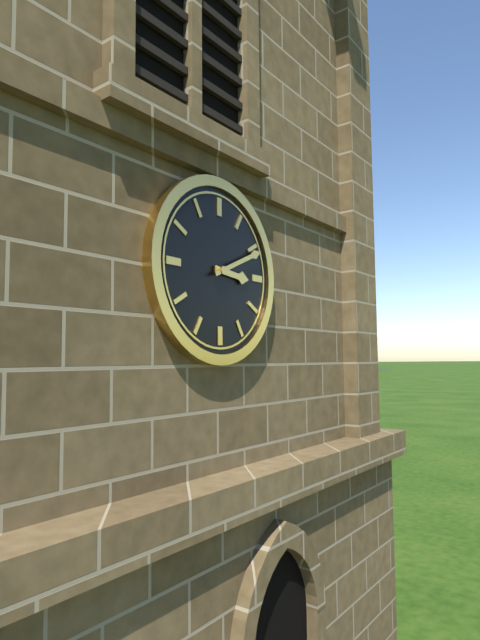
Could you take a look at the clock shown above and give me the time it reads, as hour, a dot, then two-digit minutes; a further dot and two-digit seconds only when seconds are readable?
3.11
